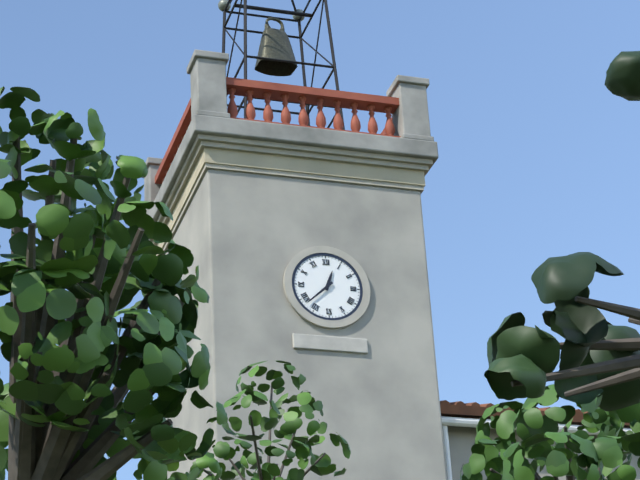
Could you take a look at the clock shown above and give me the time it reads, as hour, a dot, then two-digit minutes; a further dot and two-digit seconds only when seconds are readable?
12.38
